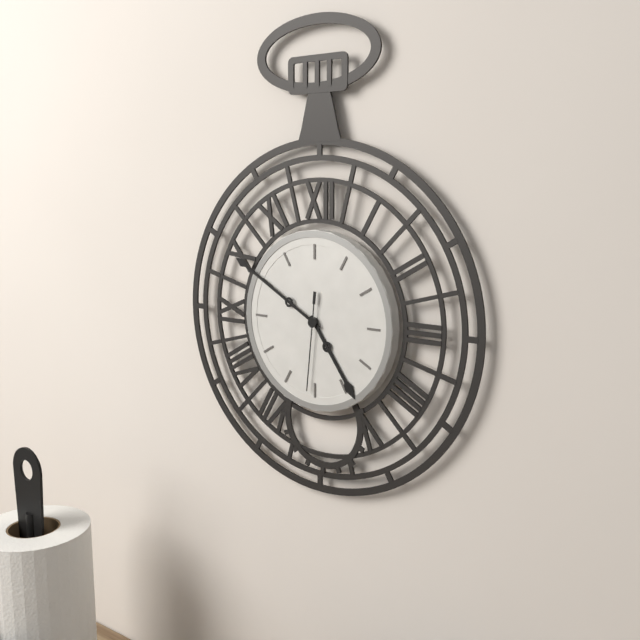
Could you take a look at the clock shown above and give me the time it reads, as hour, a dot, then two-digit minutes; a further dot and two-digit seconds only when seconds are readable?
4.50.31
